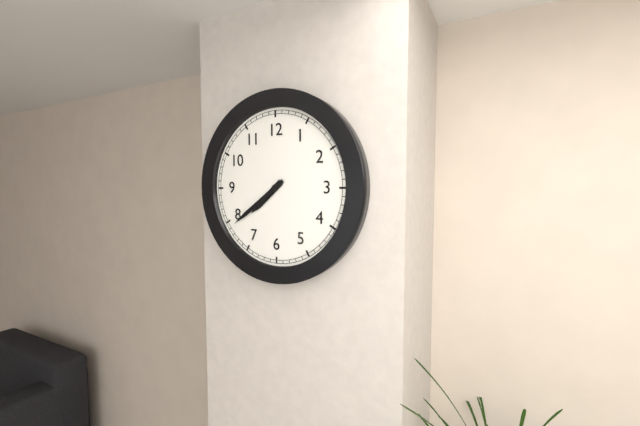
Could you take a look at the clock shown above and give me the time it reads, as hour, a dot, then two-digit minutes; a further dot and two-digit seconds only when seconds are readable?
7.39
